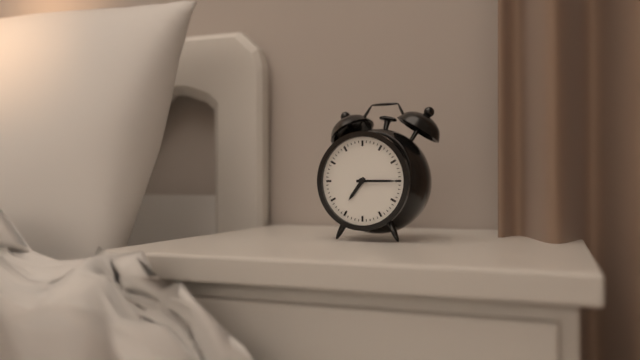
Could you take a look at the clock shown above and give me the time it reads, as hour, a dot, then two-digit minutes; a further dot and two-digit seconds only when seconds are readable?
7.15
